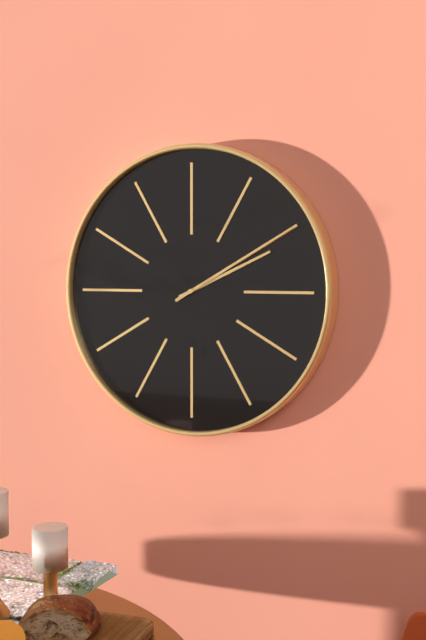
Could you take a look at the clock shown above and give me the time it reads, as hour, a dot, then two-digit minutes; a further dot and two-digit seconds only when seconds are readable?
2.10
